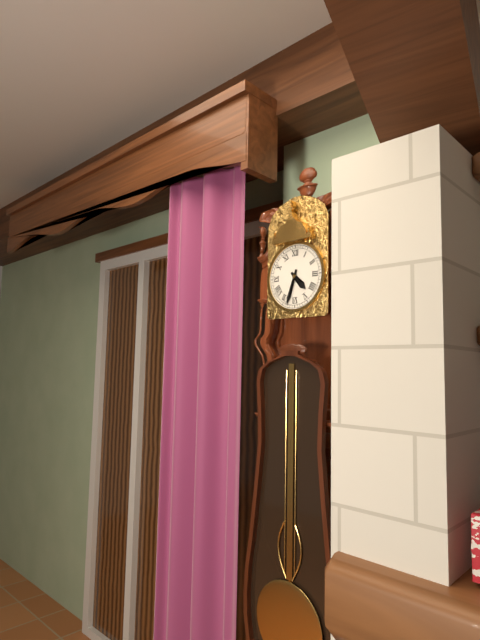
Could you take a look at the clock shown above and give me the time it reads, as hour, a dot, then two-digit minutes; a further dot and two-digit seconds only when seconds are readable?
4.33
